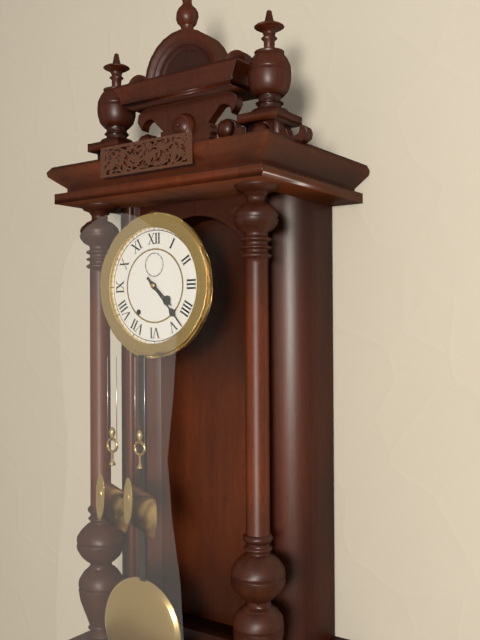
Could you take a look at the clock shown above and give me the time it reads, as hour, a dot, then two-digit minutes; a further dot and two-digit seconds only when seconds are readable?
4.23
